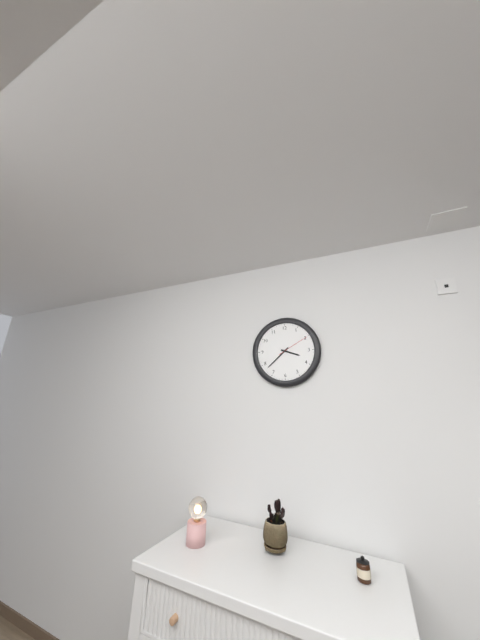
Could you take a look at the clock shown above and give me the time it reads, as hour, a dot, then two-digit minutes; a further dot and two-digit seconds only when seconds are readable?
3.38
